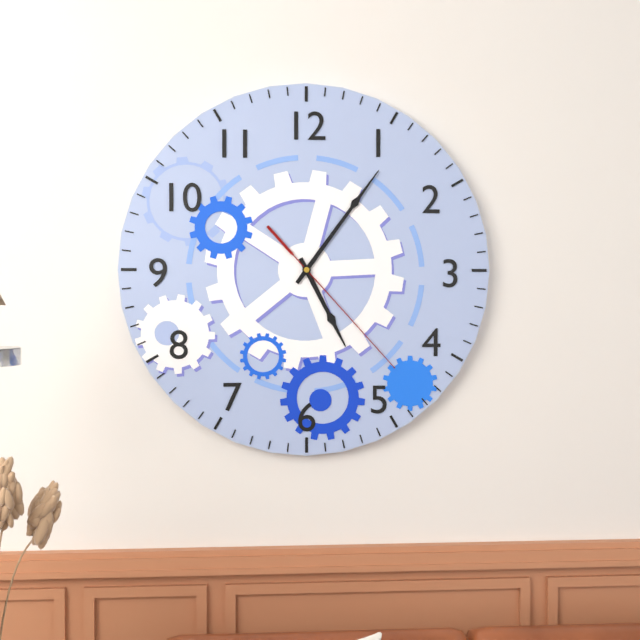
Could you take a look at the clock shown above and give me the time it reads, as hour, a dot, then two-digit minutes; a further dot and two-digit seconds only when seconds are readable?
5.06.23
